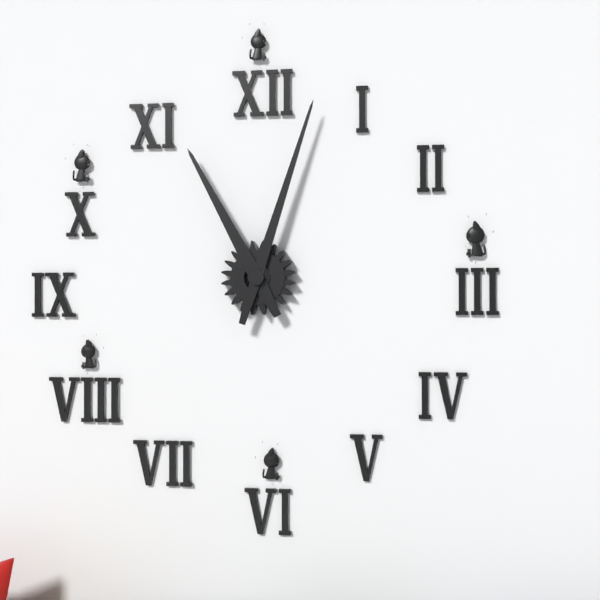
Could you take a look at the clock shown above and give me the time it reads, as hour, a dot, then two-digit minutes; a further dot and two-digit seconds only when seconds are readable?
11.03
